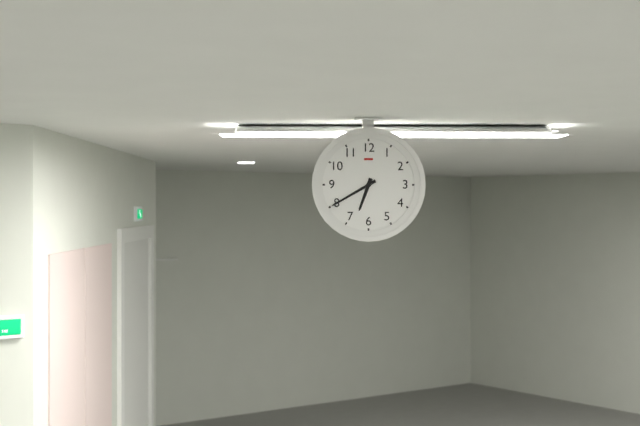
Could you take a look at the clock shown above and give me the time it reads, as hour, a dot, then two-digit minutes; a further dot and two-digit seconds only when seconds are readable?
6.40
